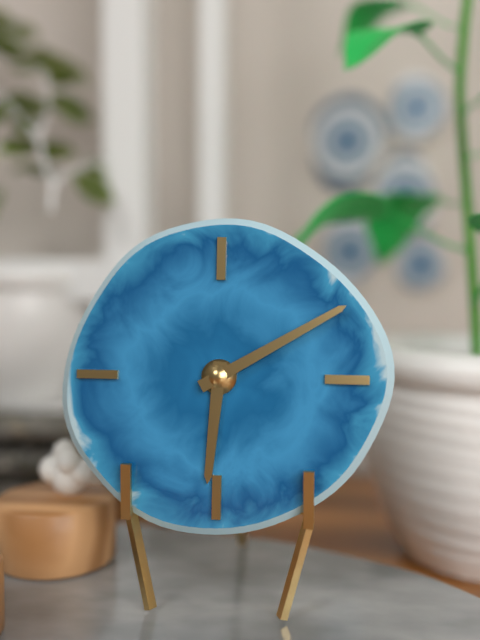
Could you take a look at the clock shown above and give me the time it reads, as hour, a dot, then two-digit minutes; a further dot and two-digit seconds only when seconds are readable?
6.10
